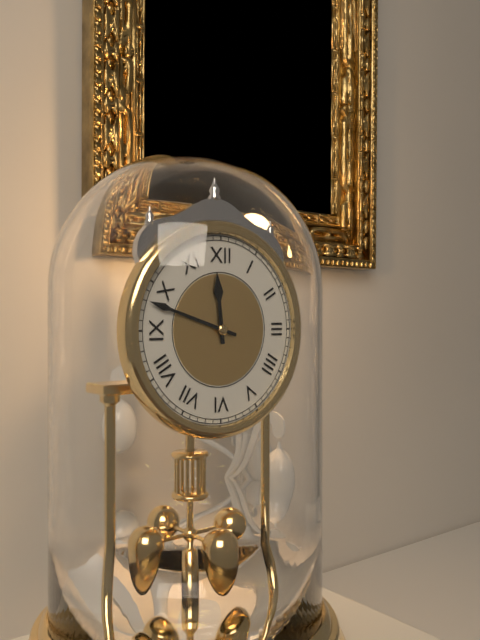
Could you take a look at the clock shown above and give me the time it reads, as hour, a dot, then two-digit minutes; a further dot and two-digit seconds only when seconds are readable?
11.48
